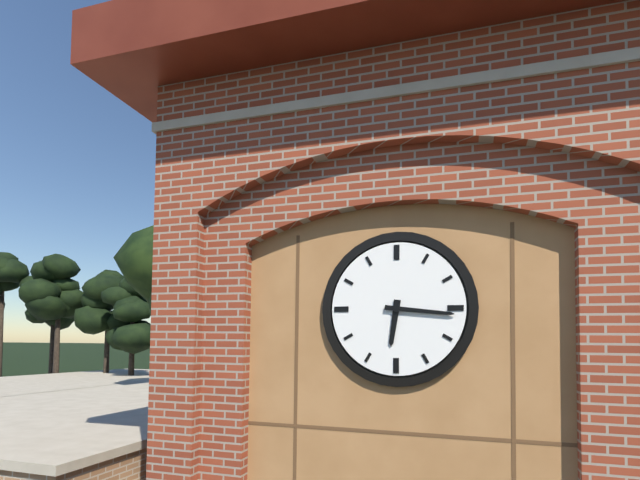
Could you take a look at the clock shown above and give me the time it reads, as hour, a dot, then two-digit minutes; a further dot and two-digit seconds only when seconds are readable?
6.16
